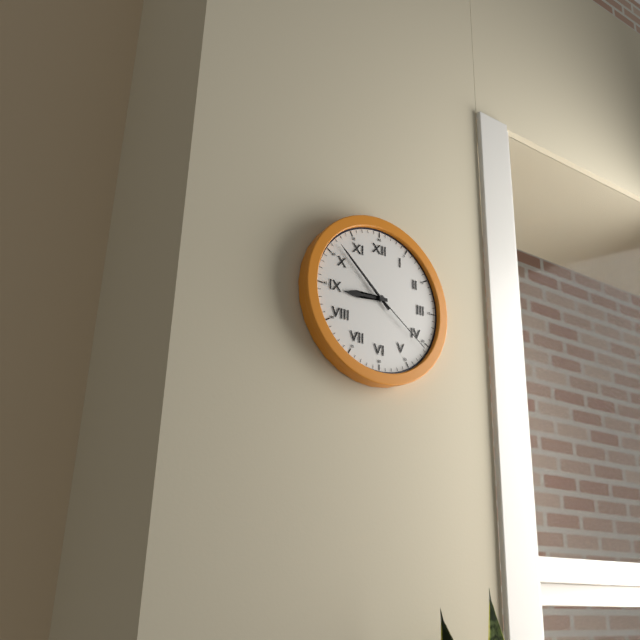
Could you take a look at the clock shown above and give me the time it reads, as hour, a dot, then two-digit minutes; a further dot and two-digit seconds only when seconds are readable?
8.52.21
